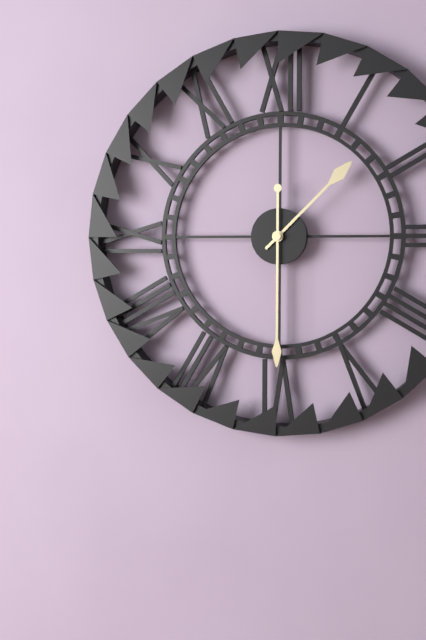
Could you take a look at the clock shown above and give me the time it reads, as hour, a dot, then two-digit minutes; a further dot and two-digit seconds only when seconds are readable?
1.30
